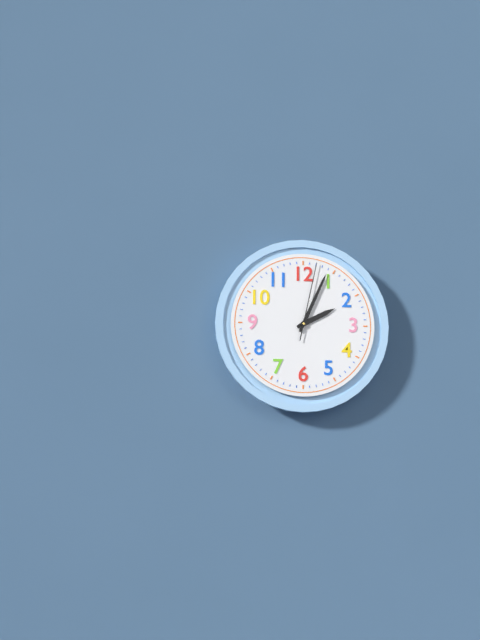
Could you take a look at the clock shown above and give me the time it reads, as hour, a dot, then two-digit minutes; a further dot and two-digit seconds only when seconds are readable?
2.04.02
